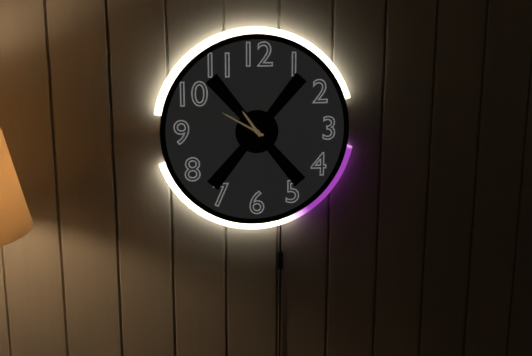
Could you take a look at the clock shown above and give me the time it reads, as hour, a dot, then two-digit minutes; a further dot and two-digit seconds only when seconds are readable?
10.50
